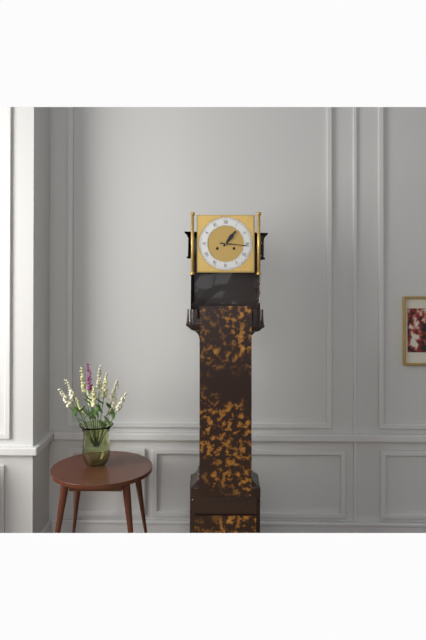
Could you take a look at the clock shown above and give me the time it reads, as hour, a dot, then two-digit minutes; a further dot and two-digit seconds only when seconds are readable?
1.16
